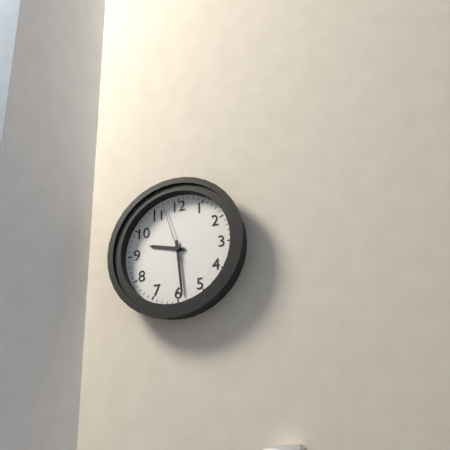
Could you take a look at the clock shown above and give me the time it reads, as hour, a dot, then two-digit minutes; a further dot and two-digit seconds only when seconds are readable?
9.29.57
